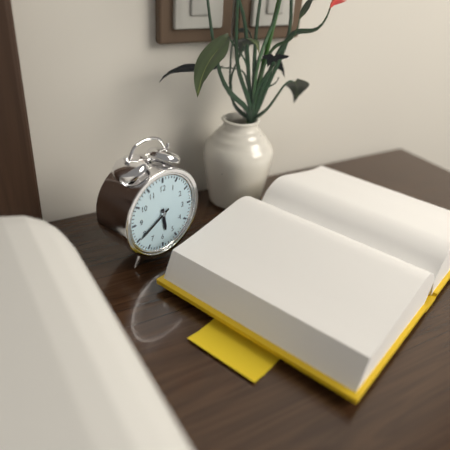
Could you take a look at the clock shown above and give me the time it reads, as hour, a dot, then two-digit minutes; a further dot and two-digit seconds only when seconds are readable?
5.40
